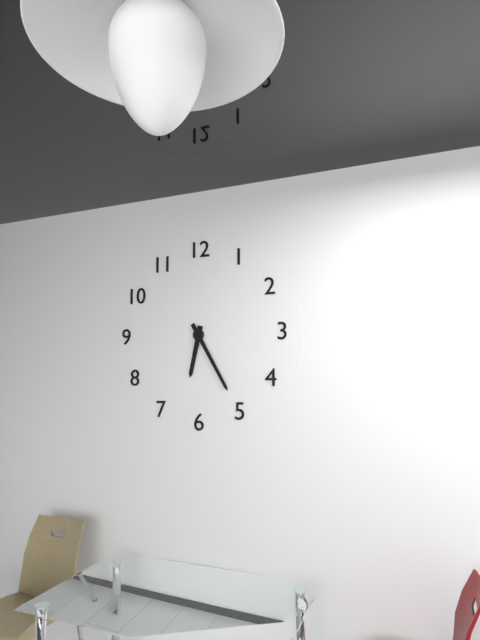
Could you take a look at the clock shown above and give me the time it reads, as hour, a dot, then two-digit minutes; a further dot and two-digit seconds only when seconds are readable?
6.25
